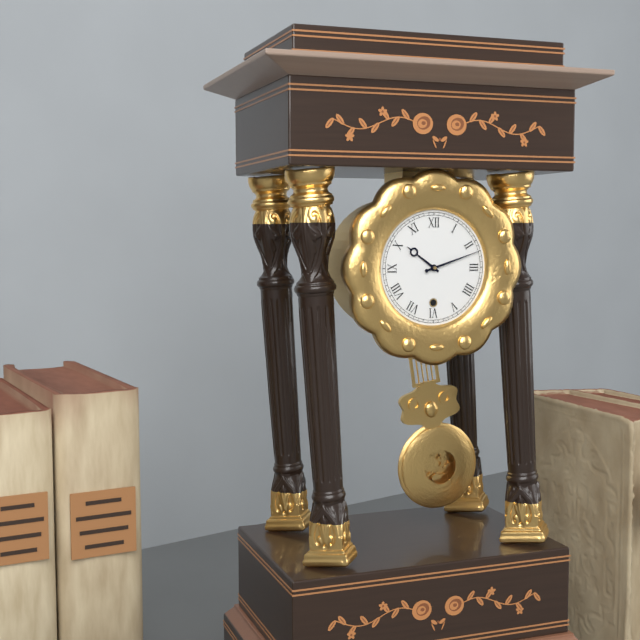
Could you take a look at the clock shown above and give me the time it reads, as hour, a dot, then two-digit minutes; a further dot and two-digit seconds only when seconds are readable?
10.12
